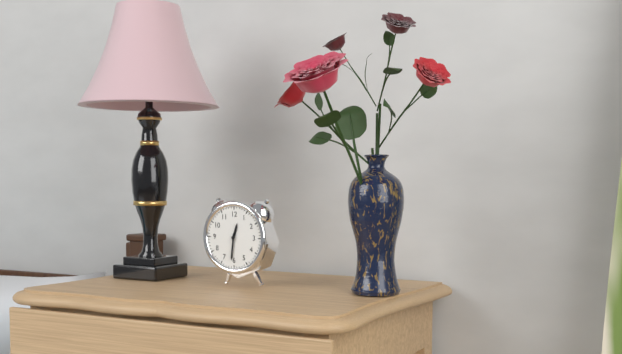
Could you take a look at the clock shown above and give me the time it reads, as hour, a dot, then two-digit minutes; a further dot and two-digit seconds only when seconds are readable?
12.31
